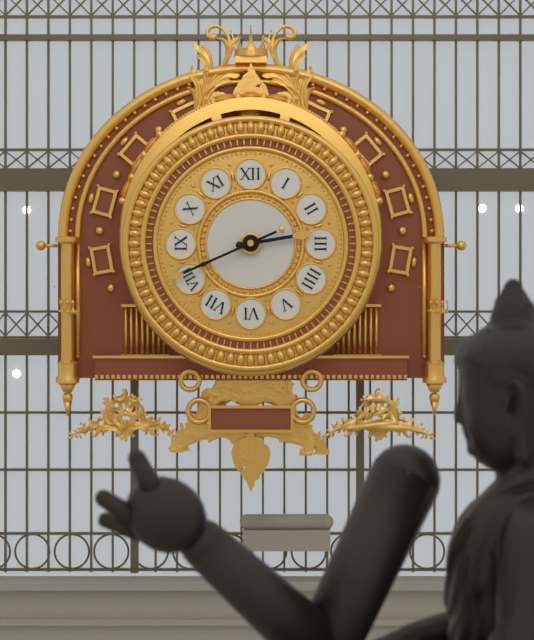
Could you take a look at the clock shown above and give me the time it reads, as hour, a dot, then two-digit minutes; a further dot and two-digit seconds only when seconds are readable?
2.41
